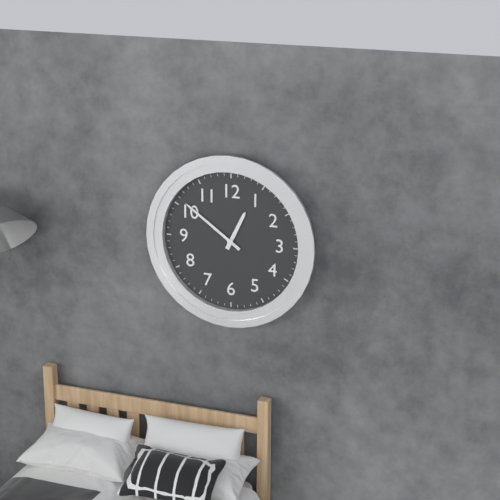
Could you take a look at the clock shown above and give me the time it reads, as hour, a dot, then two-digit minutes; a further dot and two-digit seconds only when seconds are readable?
12.51
